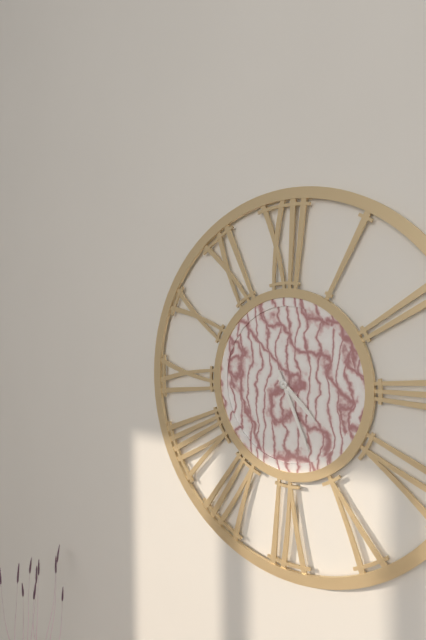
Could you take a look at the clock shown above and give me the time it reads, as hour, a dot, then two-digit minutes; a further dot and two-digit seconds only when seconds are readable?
4.26
